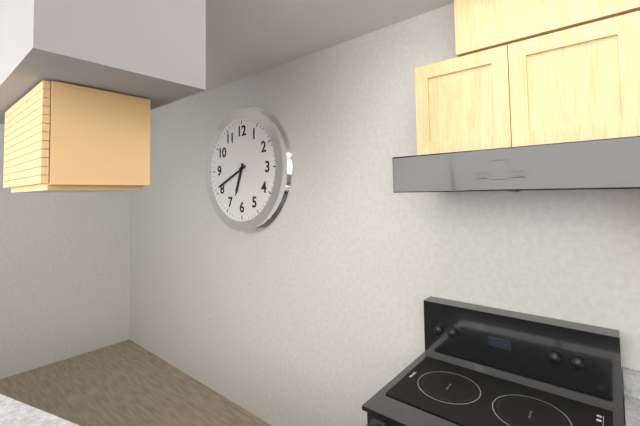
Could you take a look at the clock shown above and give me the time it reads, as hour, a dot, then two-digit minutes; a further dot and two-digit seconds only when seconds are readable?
6.41
